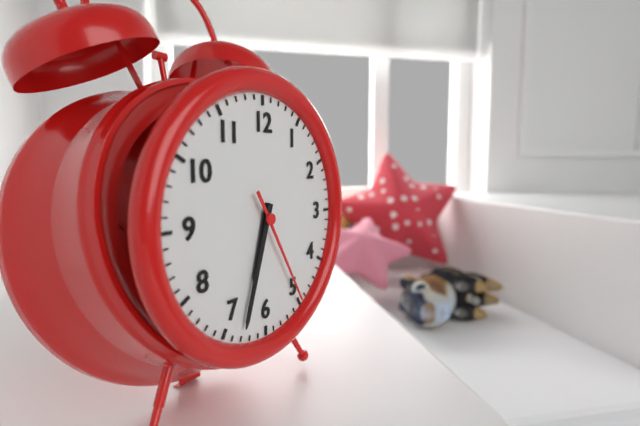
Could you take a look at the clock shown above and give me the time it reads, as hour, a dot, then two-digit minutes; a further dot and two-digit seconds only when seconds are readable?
6.33.25
